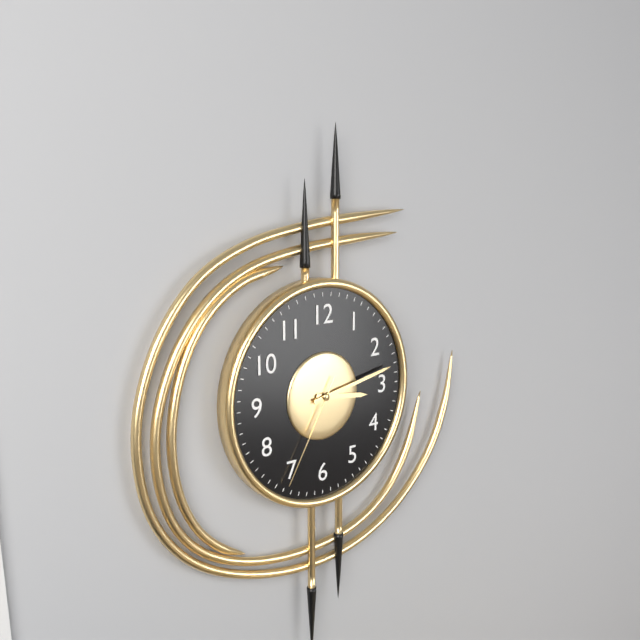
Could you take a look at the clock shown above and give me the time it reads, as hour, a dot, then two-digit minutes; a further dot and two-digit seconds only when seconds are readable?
3.13.35
